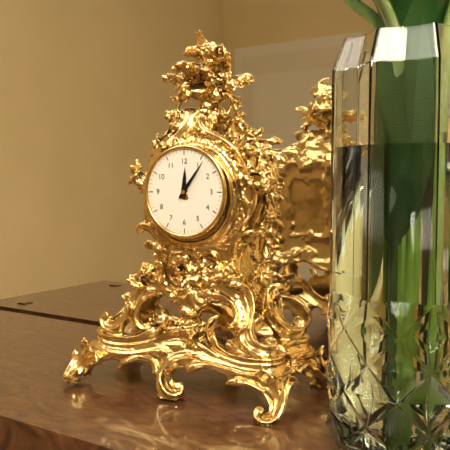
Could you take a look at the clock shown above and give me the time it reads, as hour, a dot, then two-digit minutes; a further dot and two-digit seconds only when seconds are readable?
12.06
